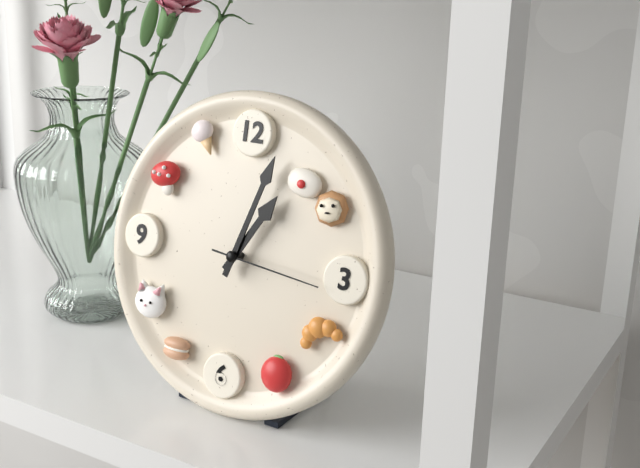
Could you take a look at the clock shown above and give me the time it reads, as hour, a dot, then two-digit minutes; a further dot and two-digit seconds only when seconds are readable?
1.03.16
